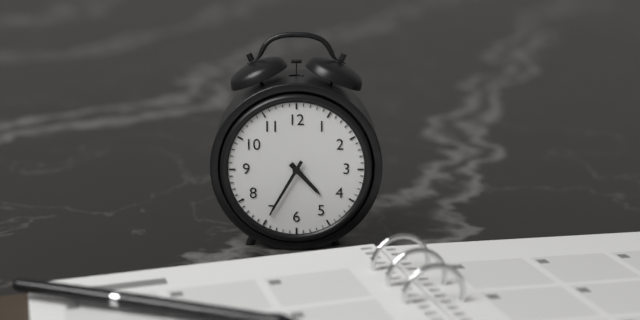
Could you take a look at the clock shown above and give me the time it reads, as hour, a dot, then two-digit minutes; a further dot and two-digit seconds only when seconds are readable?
4.35
